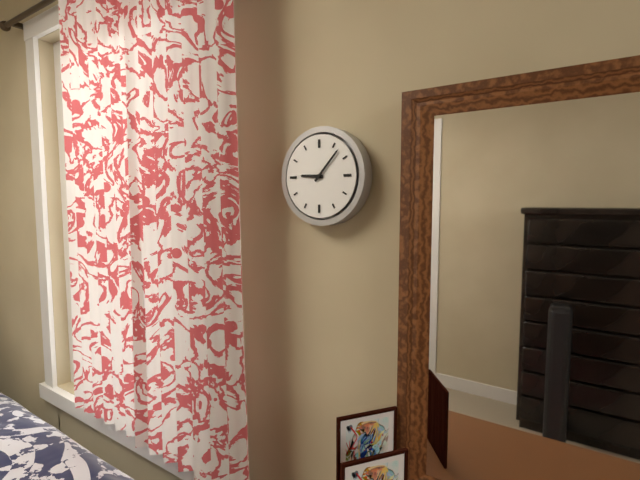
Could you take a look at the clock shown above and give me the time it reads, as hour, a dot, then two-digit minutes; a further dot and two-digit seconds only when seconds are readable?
9.07
